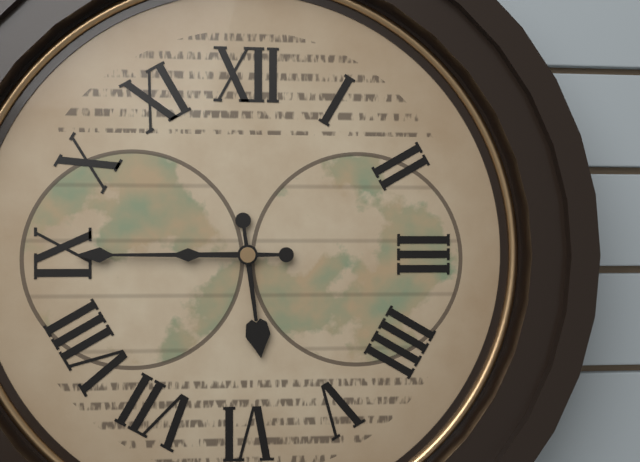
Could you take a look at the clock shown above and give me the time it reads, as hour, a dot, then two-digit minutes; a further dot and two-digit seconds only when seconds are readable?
5.45
